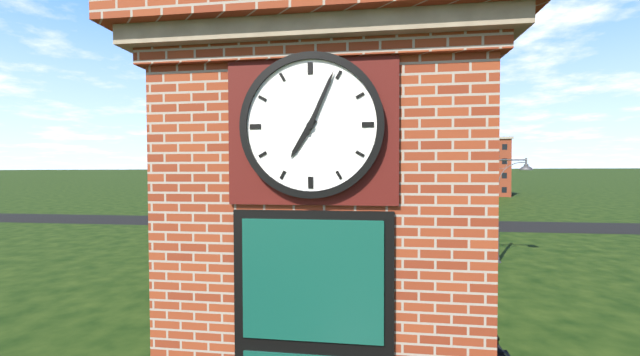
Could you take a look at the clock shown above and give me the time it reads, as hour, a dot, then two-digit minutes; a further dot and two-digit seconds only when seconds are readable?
7.04
